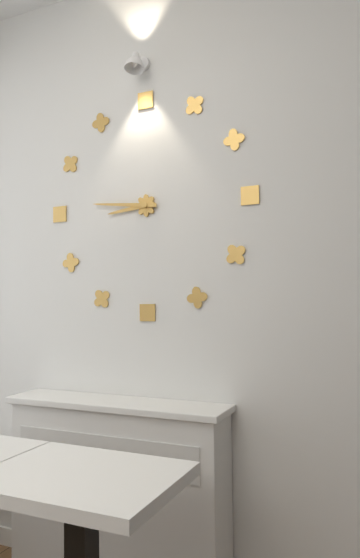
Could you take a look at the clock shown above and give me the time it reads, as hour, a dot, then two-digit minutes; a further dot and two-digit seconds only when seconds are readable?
8.46
